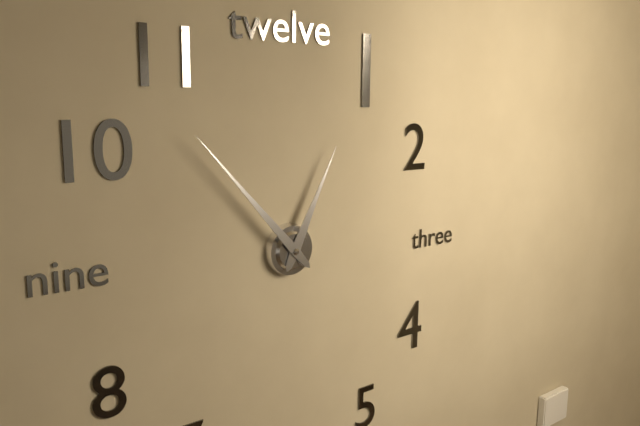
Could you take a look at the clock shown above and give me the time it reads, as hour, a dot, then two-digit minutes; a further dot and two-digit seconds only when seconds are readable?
12.53
